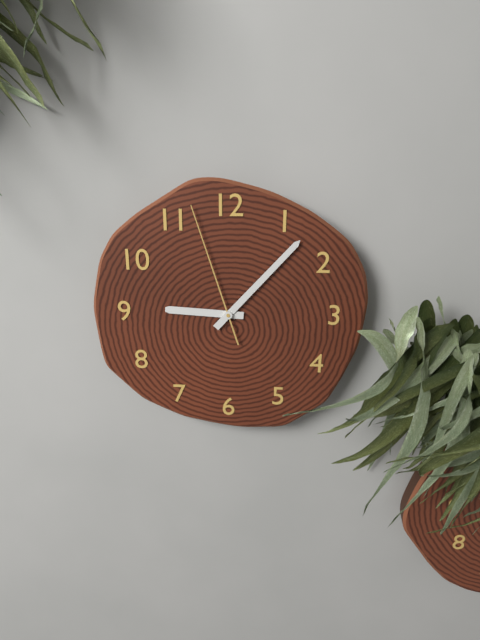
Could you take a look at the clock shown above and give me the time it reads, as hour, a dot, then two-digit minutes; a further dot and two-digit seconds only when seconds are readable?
9.07.57
